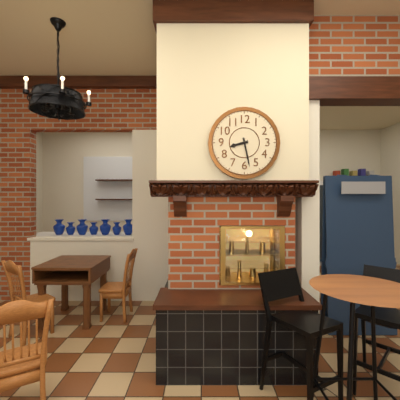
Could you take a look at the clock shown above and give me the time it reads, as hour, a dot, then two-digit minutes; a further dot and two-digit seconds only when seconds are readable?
8.28
